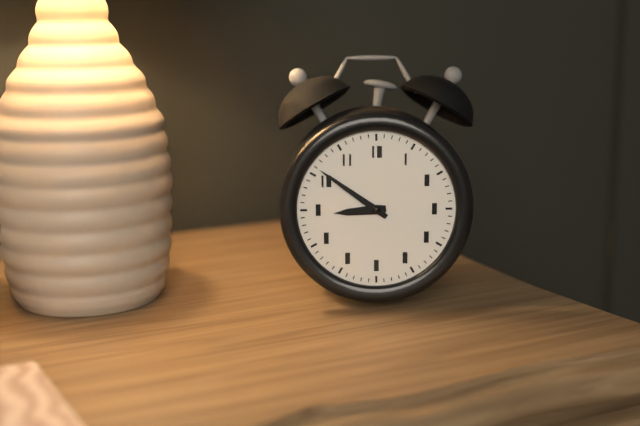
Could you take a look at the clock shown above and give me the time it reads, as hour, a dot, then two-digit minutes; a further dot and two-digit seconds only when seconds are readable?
8.51
